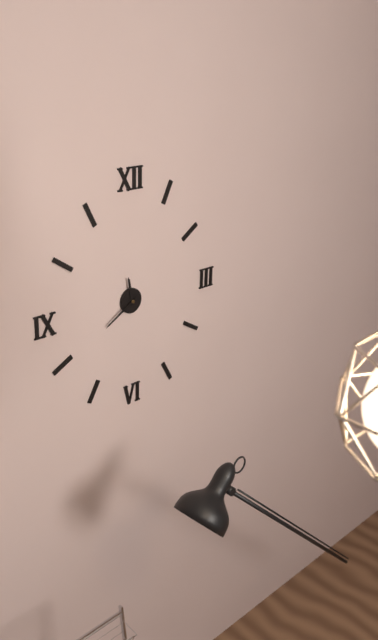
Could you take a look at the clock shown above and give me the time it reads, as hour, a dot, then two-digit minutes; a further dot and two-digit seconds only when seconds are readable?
11.40
